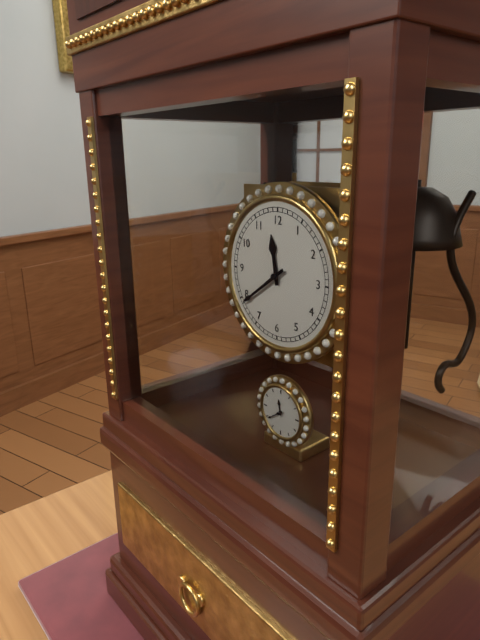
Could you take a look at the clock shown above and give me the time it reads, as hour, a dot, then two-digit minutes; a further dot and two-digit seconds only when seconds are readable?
11.39
